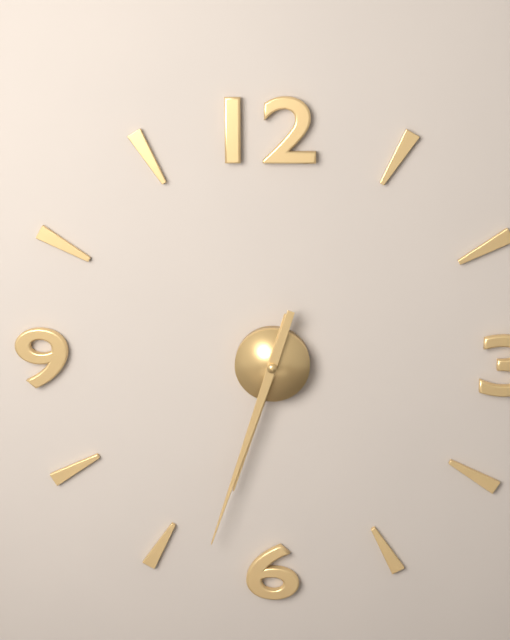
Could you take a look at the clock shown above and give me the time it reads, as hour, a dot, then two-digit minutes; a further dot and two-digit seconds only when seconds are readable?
6.33
